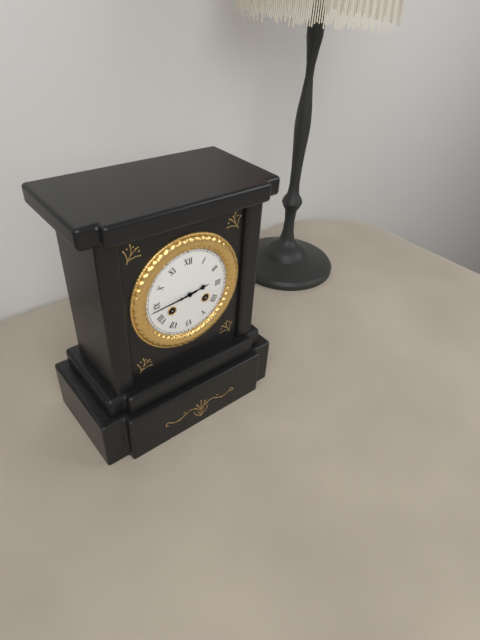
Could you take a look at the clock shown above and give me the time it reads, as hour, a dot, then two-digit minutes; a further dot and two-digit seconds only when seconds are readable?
2.44
